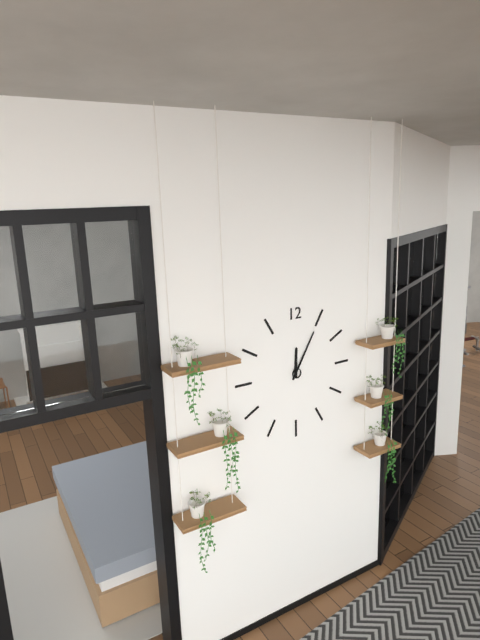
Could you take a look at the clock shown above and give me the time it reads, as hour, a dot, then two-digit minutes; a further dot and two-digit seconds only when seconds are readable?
12.05
